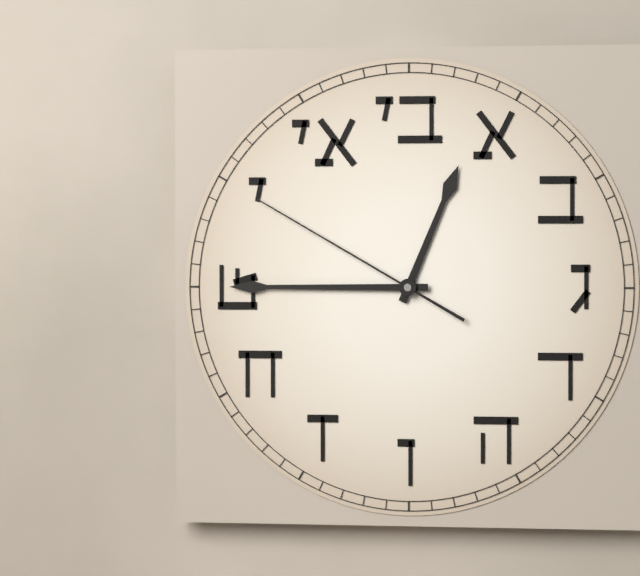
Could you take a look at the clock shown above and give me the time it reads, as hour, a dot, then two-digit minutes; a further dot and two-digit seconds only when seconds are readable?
12.45.50
